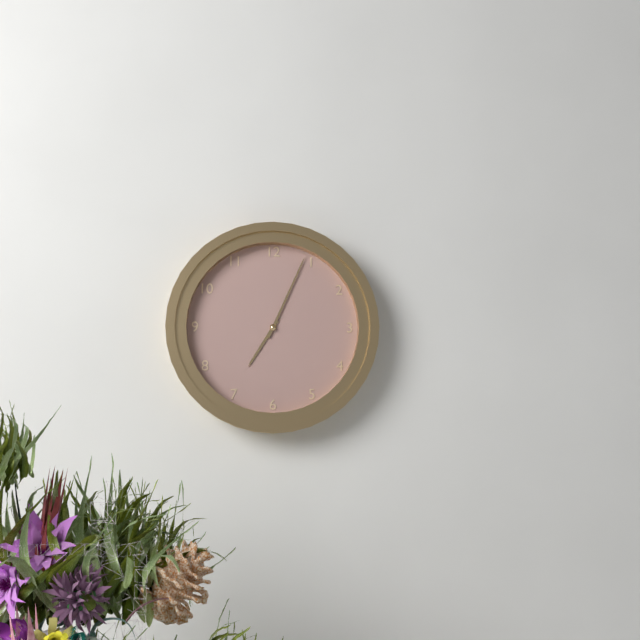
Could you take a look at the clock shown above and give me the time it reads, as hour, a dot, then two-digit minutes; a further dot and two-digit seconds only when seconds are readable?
7.04
